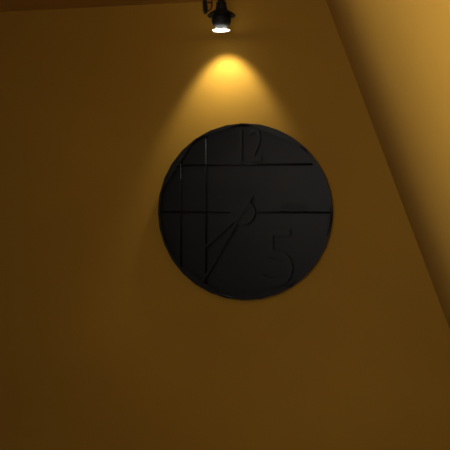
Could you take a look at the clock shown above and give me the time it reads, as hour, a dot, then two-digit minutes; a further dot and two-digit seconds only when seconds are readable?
7.35
